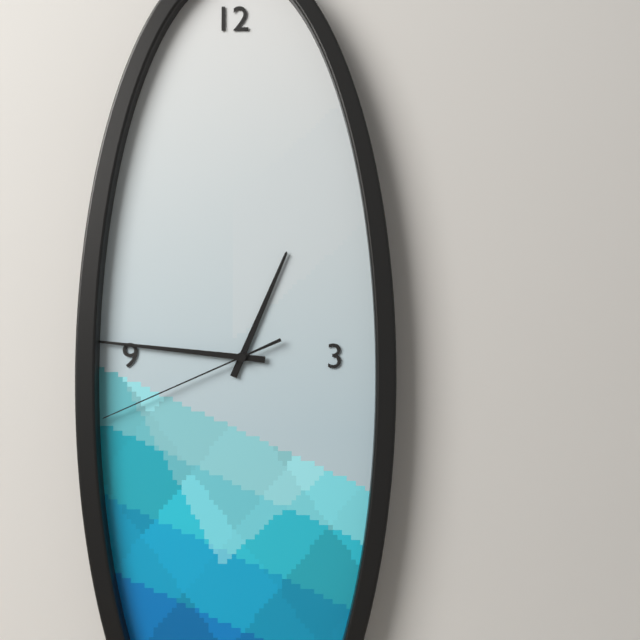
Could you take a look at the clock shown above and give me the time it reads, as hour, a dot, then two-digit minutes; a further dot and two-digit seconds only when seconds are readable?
12.46.41
